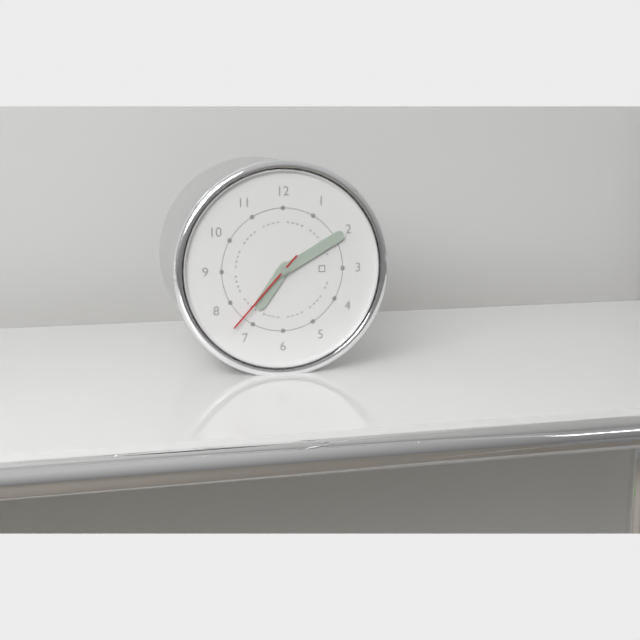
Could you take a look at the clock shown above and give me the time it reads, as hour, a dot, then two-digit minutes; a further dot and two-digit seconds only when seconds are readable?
7.10.37
